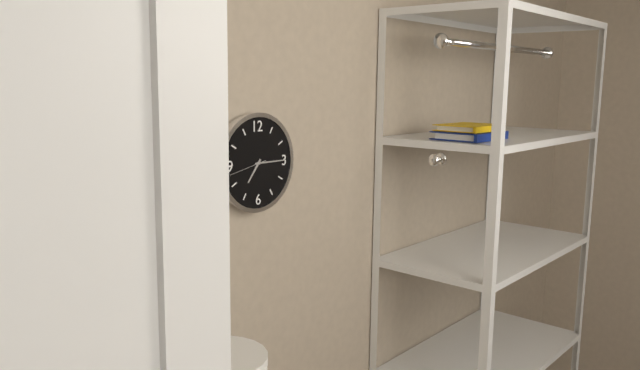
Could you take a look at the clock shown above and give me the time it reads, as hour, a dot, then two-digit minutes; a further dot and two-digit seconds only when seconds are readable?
7.15
